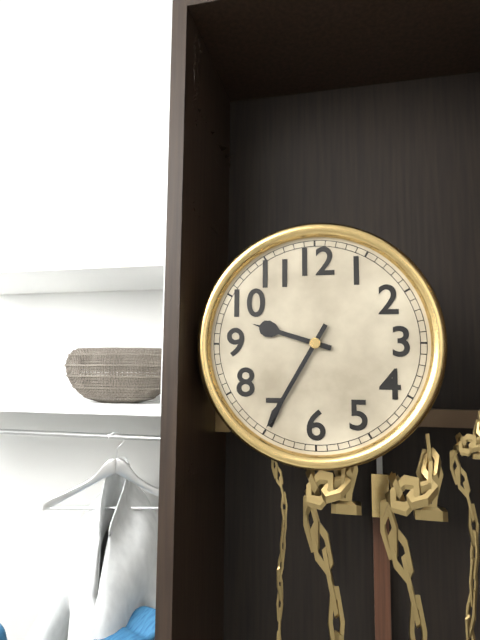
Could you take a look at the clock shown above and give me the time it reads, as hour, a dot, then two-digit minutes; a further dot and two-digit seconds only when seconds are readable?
9.35
